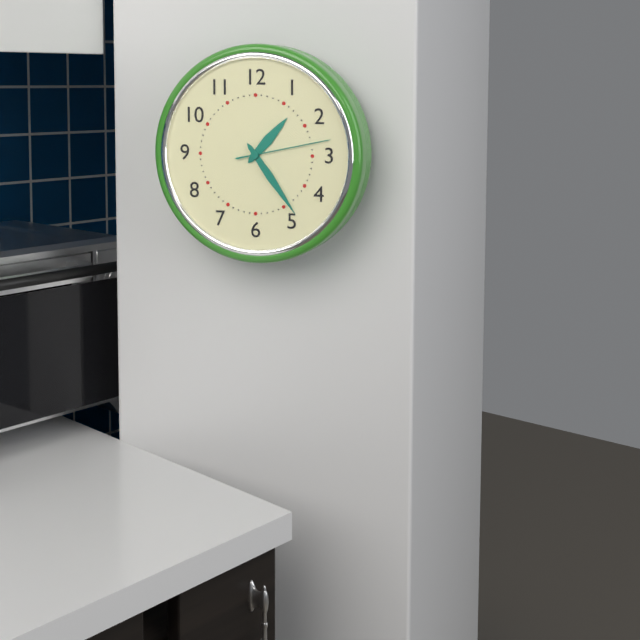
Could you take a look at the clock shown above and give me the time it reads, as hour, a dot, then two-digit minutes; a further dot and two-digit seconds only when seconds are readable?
1.24.13
